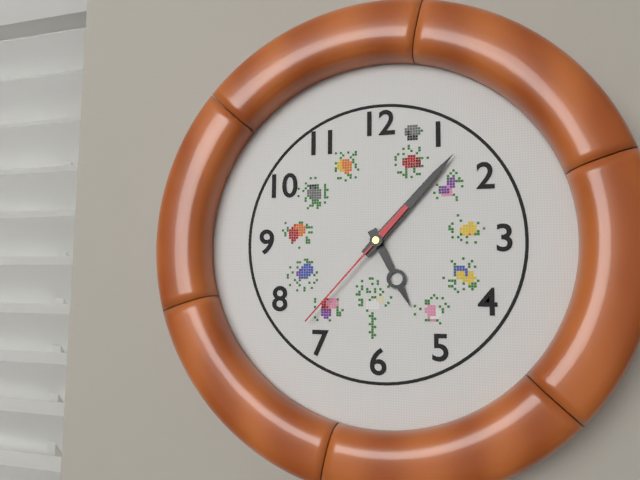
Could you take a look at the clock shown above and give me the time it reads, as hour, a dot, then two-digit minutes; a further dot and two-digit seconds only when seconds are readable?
5.07.37
